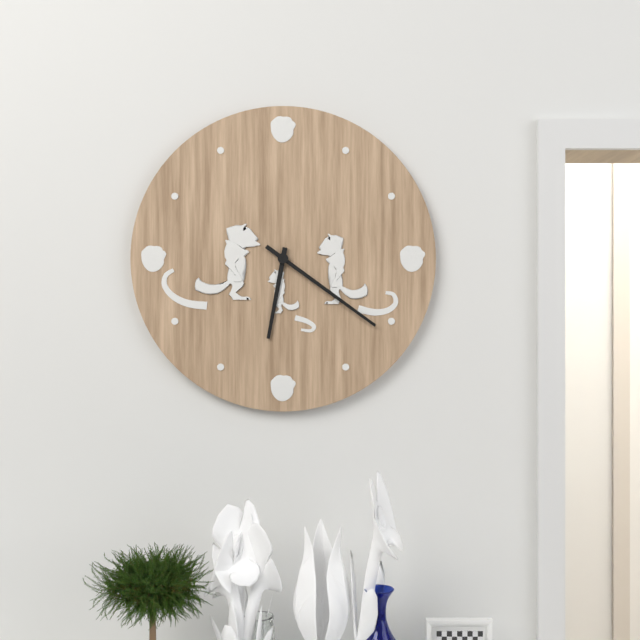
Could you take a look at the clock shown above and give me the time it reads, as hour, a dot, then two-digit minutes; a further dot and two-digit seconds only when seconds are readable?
6.21
